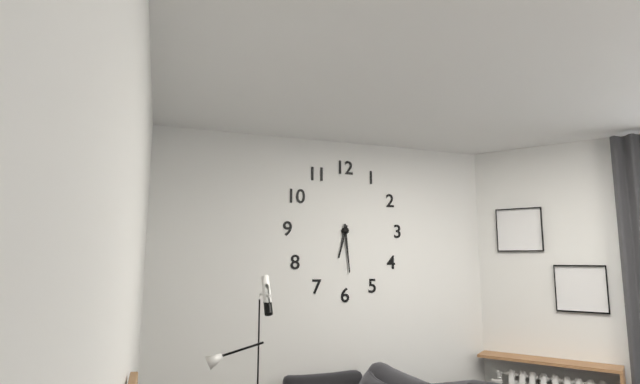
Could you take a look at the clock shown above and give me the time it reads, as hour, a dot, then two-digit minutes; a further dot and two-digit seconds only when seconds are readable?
6.29
